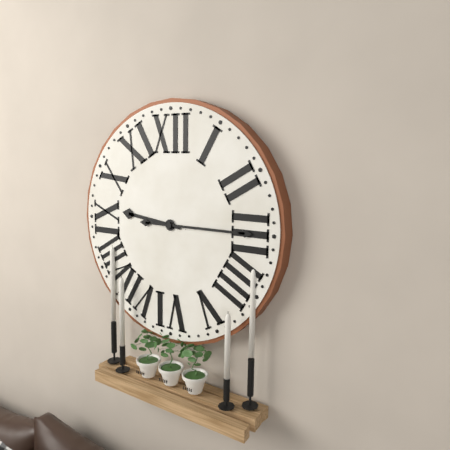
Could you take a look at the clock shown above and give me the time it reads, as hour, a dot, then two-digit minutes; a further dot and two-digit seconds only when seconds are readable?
9.15
